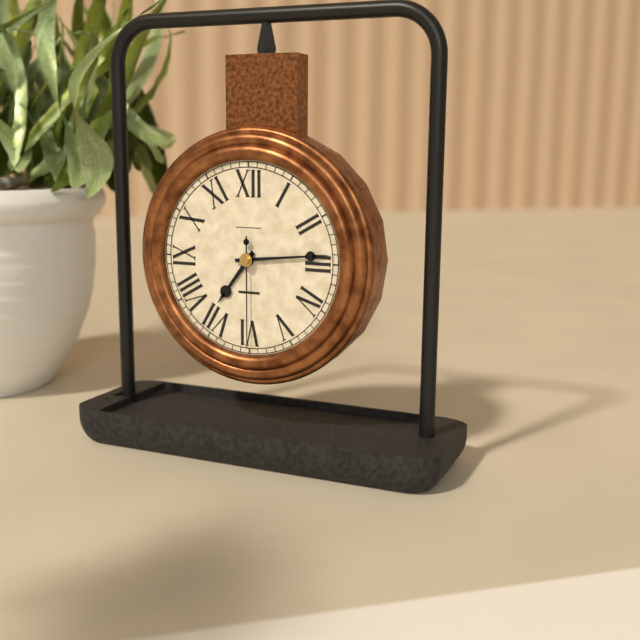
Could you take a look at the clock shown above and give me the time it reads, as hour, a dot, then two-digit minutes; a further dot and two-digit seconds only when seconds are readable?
7.14.30
